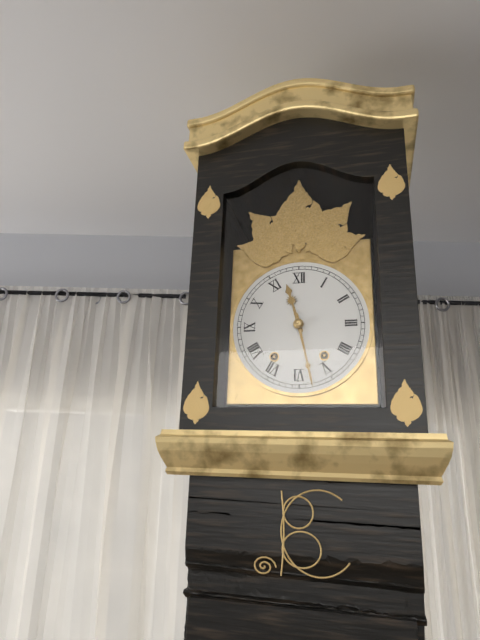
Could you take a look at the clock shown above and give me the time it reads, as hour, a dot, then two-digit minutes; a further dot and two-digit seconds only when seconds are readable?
11.28
